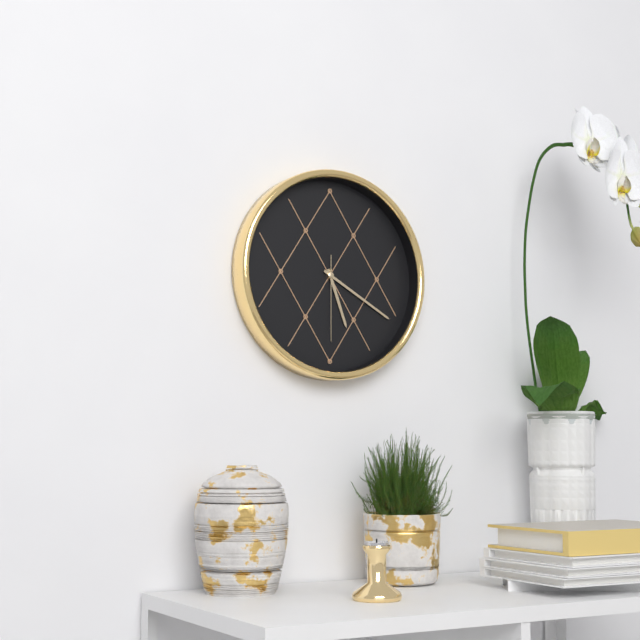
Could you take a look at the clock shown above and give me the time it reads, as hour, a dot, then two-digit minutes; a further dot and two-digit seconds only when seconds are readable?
5.20.30
